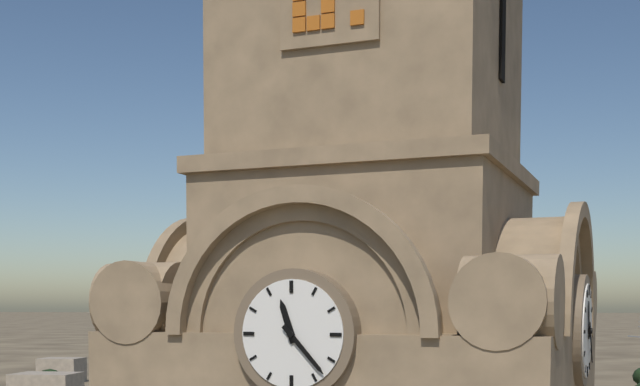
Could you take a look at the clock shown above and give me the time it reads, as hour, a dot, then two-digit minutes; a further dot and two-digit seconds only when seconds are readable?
11.23
